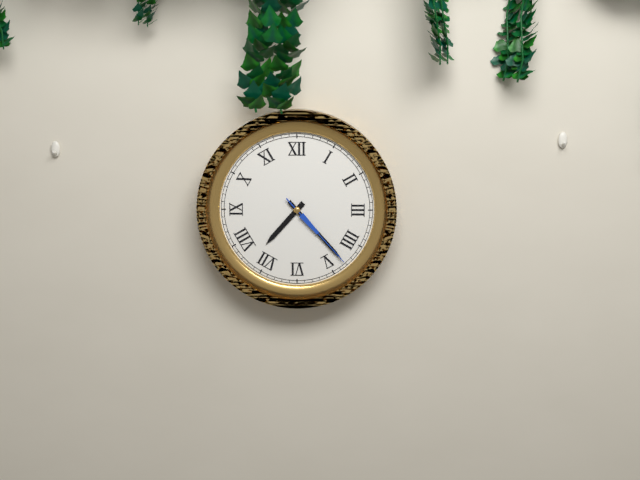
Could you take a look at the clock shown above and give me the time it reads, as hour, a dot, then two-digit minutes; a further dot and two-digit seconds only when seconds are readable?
7.23.23
